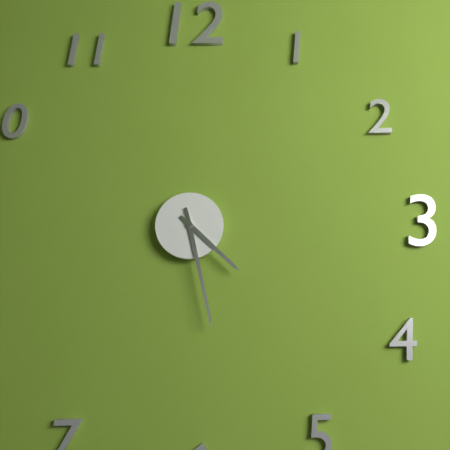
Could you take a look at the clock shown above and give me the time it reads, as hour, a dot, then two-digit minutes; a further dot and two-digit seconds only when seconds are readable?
4.28
